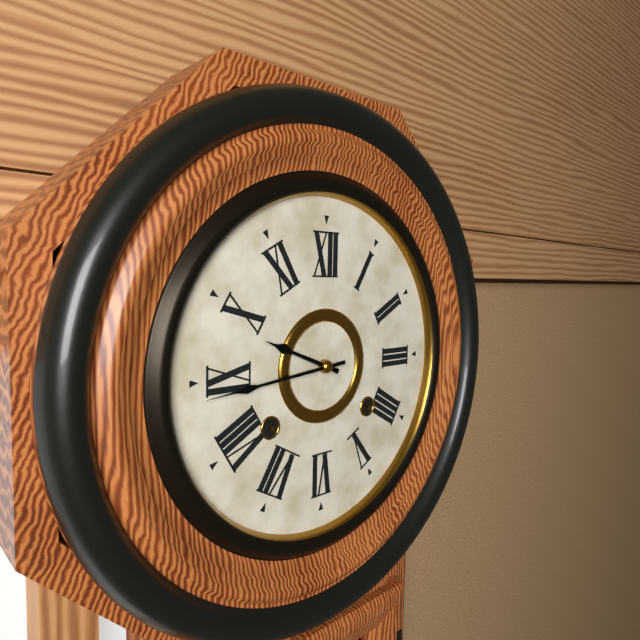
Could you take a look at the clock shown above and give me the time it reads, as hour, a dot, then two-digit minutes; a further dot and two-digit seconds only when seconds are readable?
9.44
